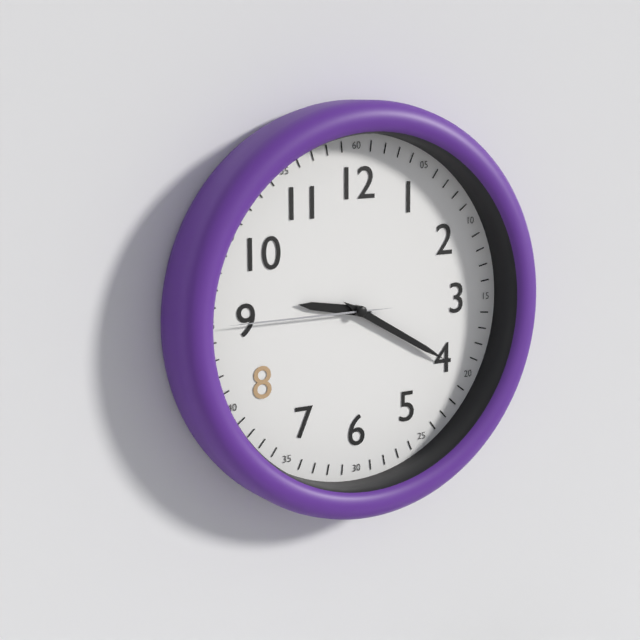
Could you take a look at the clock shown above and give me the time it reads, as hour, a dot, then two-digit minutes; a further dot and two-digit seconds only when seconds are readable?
9.20.45
